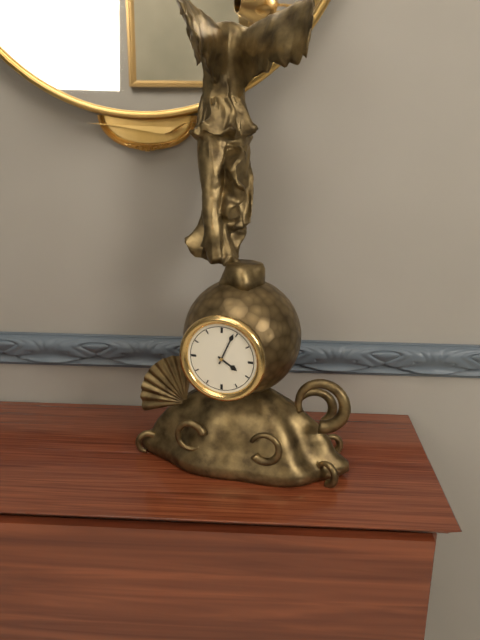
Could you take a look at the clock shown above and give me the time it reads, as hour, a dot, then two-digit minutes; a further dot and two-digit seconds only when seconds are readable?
4.04
